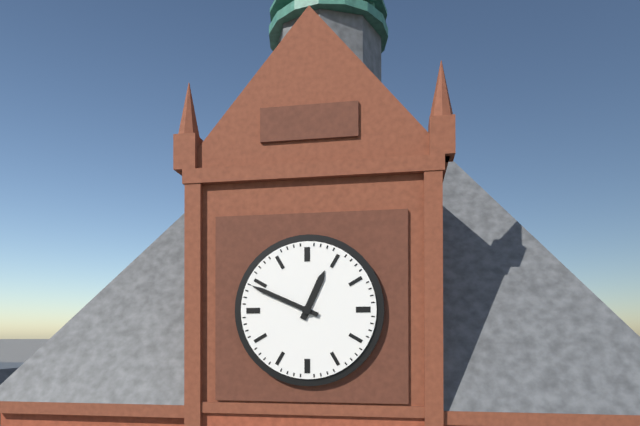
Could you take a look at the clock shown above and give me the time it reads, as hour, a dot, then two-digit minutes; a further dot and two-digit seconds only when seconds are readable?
12.49
